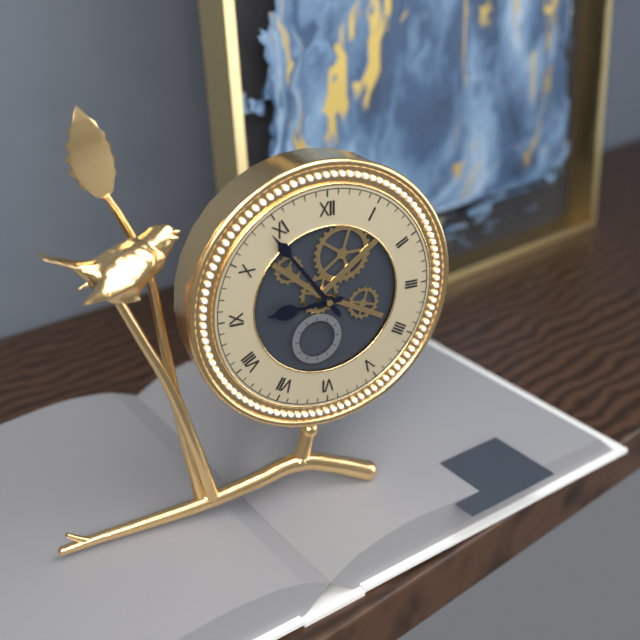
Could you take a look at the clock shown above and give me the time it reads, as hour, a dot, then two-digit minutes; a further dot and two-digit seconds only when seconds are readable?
8.54
